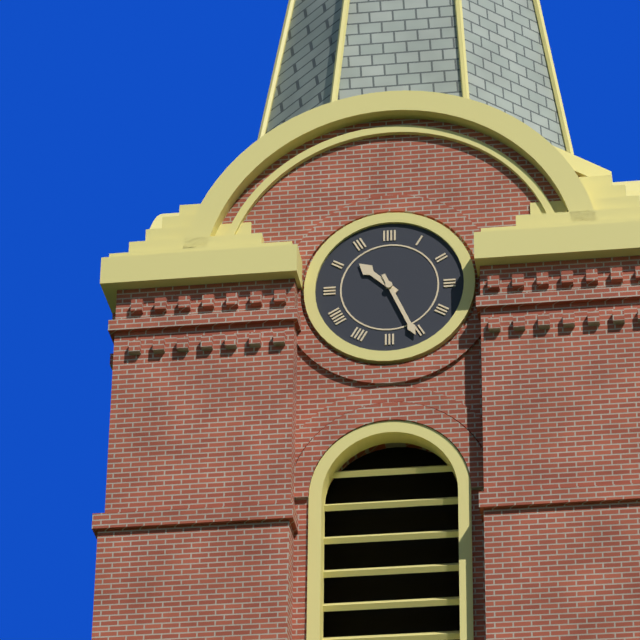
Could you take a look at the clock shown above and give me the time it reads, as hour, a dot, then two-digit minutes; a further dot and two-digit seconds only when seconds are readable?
10.26
